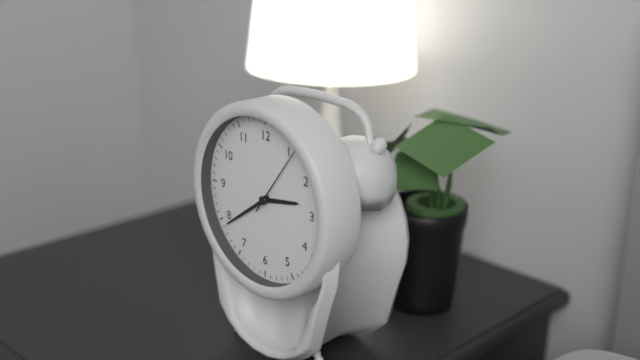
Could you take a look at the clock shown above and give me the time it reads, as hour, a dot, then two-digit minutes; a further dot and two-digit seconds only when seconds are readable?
2.39.06
